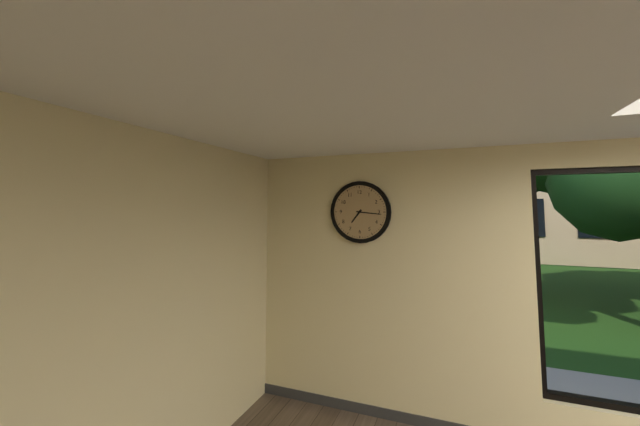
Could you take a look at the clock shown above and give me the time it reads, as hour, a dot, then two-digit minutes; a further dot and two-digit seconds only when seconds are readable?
7.16
